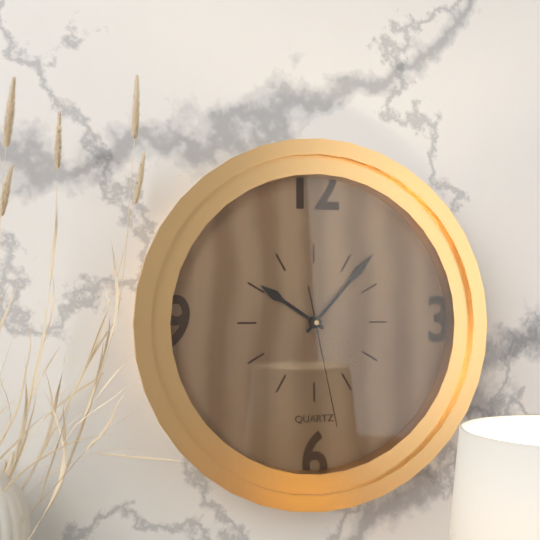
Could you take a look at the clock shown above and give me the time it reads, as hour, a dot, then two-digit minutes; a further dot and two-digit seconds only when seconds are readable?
10.07.28
